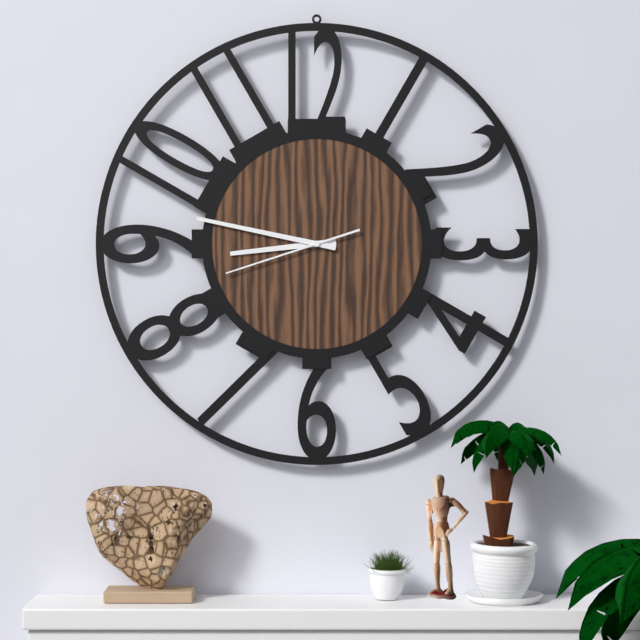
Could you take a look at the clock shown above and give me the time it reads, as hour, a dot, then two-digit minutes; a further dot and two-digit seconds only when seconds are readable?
8.47.42
